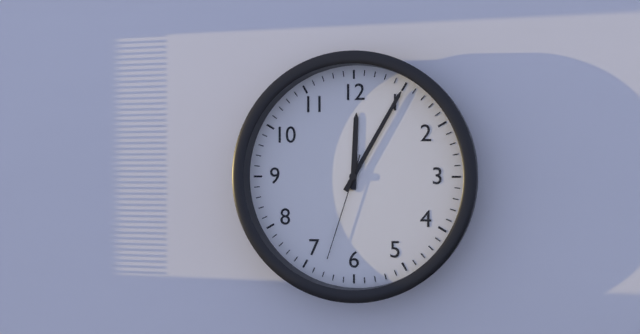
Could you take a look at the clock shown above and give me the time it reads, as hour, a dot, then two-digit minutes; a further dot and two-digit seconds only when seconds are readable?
12.05.33
